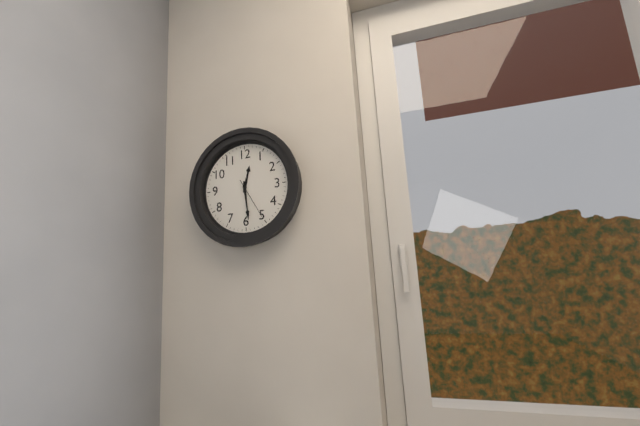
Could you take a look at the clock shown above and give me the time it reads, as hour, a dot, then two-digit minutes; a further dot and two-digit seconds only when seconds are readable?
12.29
